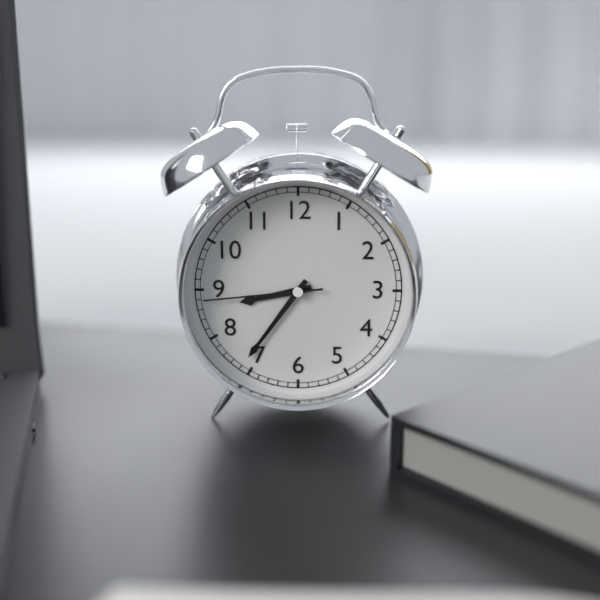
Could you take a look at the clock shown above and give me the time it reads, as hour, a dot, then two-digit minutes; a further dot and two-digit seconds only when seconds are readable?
8.36.44
